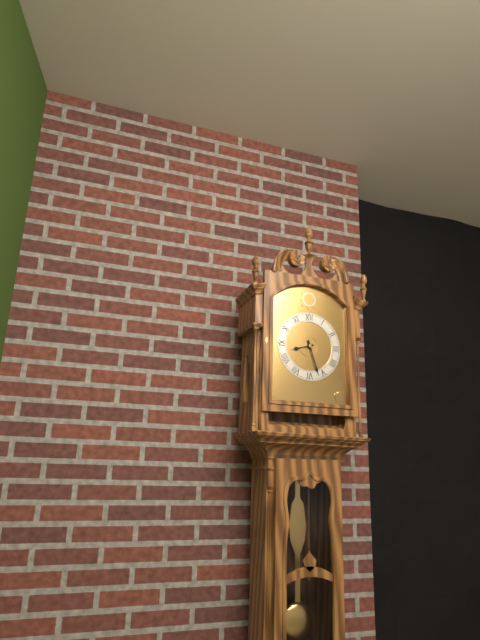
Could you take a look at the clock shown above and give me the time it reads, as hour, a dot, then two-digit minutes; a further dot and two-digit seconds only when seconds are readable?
8.27
